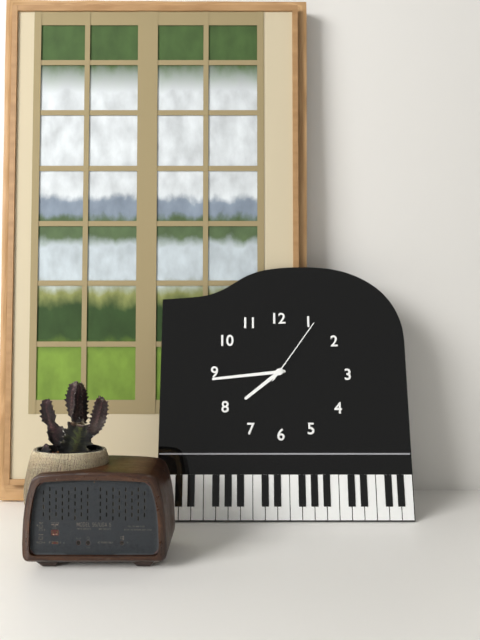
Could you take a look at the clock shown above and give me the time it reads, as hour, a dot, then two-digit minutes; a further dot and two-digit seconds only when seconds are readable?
7.44.06
